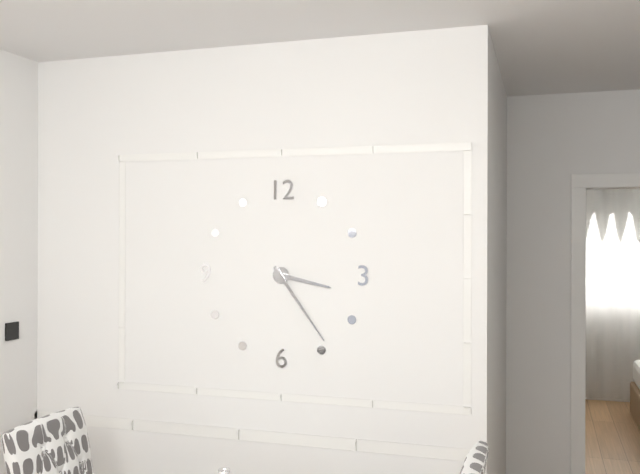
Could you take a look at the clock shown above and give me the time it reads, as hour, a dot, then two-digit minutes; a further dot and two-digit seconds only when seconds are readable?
3.24
